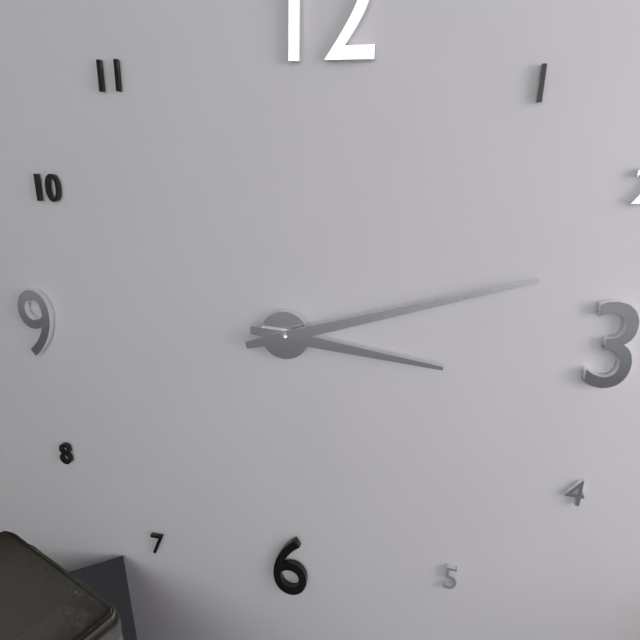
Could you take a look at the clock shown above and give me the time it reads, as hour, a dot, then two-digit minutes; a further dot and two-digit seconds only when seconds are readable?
3.12
